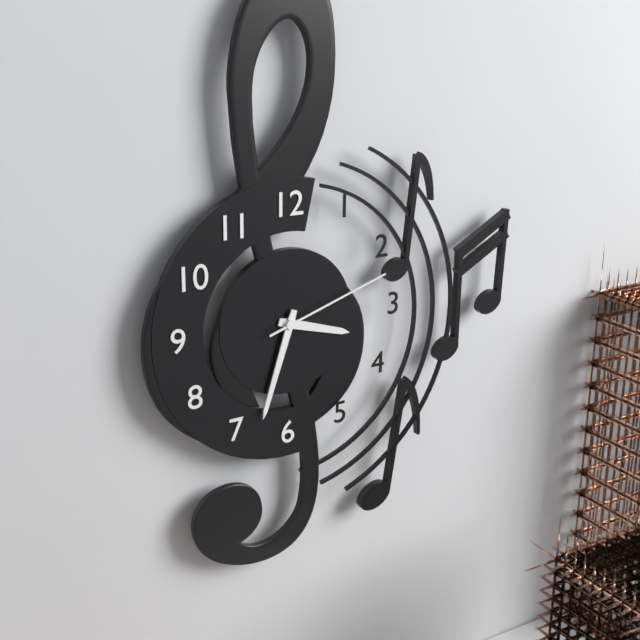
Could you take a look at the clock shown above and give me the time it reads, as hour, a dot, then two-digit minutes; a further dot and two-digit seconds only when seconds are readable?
3.33.12
